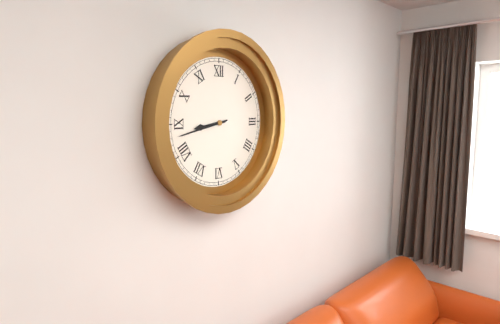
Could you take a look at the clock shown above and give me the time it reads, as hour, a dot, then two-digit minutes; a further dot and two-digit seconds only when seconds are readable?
8.43
